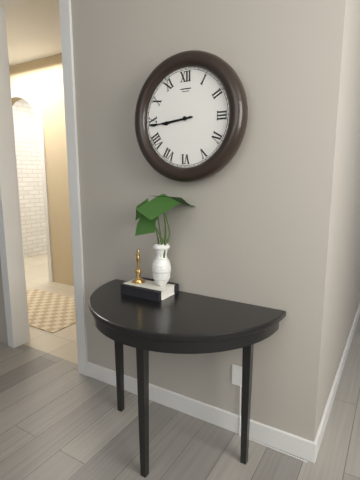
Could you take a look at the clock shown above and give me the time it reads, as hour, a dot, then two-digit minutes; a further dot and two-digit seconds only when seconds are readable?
8.44
